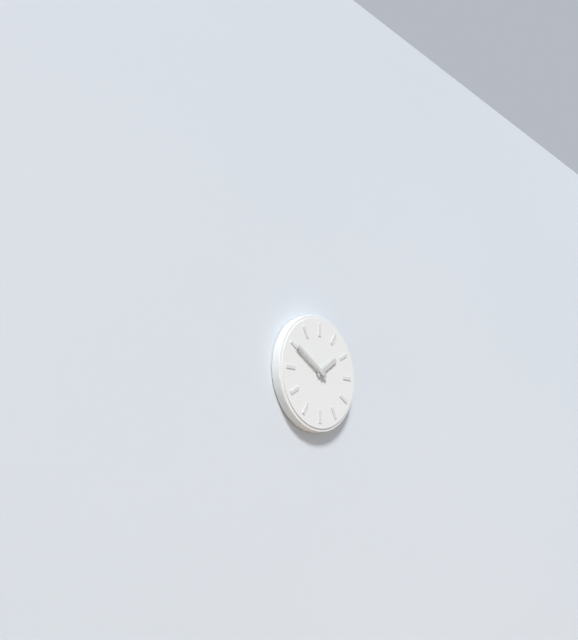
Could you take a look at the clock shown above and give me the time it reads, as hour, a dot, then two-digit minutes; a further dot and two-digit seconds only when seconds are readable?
1.50
